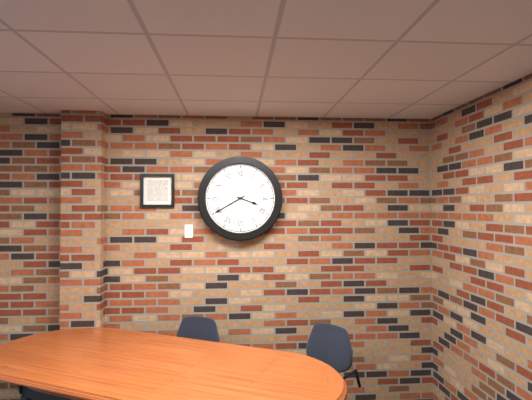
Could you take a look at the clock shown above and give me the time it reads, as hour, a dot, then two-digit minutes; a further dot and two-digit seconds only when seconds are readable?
3.40
